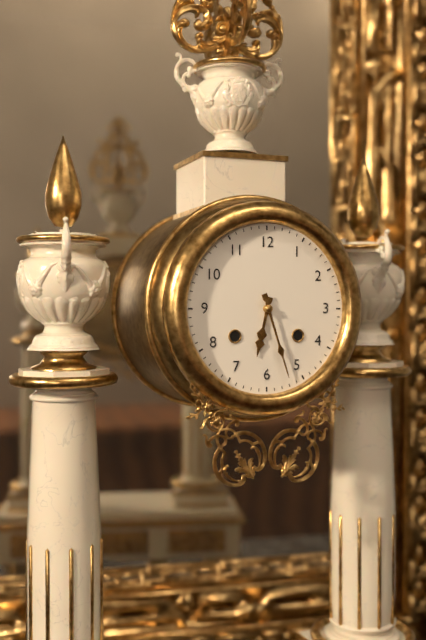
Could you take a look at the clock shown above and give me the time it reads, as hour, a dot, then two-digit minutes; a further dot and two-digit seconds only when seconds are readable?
6.27
